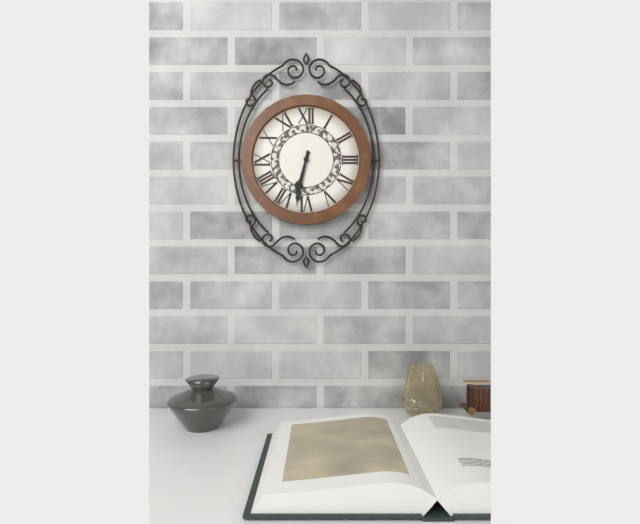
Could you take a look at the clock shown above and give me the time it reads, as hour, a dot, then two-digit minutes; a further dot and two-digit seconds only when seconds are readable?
6.32
